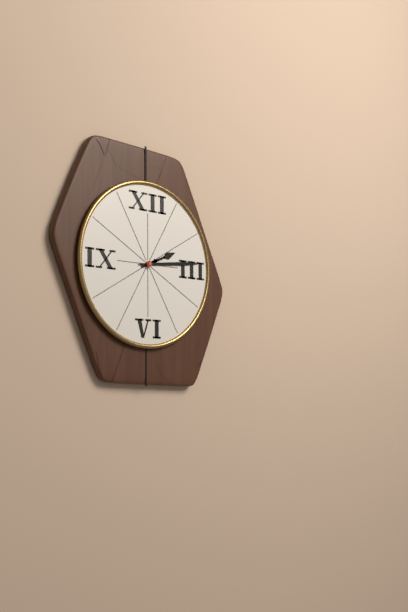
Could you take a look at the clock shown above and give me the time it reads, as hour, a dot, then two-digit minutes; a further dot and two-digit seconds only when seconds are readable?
2.14
